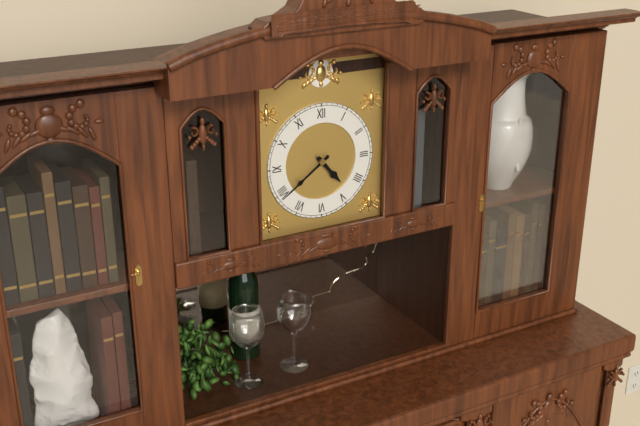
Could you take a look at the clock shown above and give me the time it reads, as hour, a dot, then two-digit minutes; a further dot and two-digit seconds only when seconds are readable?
4.39
